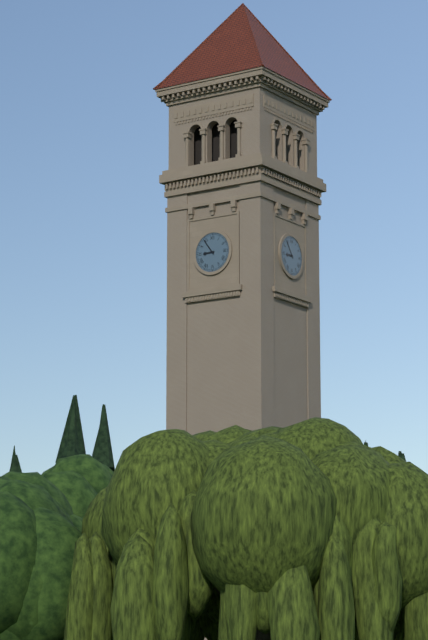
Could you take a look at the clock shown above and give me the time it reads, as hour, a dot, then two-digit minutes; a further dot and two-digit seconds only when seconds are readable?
8.54
